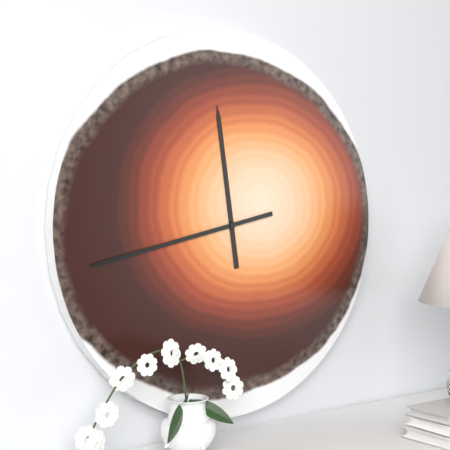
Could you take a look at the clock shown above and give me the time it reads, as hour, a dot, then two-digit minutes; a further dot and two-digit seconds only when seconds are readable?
11.43
